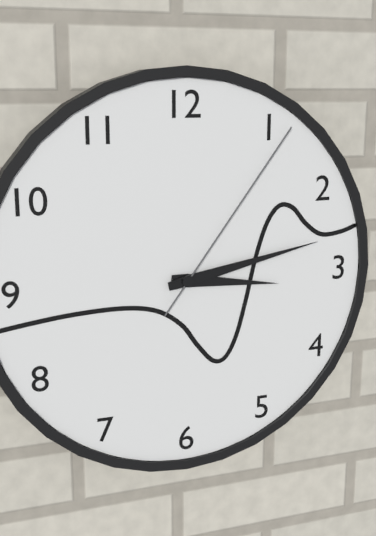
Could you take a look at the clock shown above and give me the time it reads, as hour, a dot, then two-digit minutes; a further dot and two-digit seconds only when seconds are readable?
3.13.06
